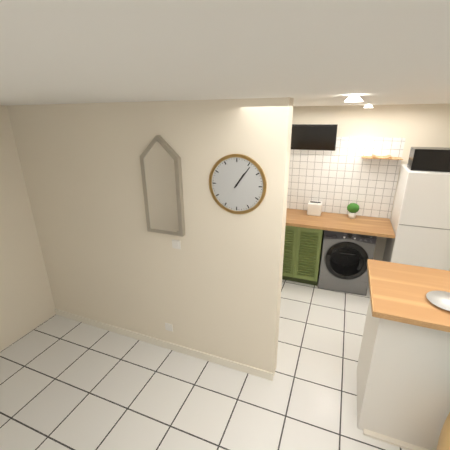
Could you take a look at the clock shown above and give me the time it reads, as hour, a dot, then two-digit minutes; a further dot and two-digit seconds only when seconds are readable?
1.06
